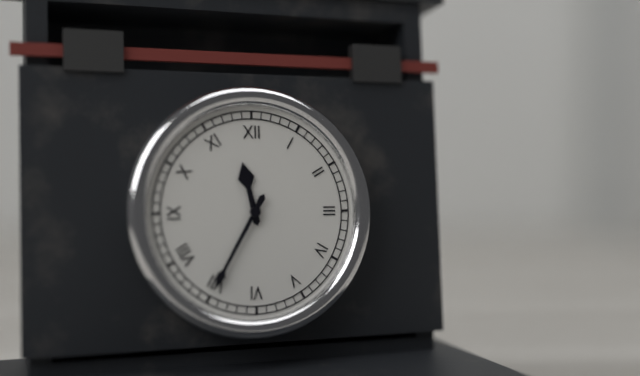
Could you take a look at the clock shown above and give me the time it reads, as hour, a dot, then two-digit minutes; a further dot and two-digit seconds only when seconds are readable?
11.35
